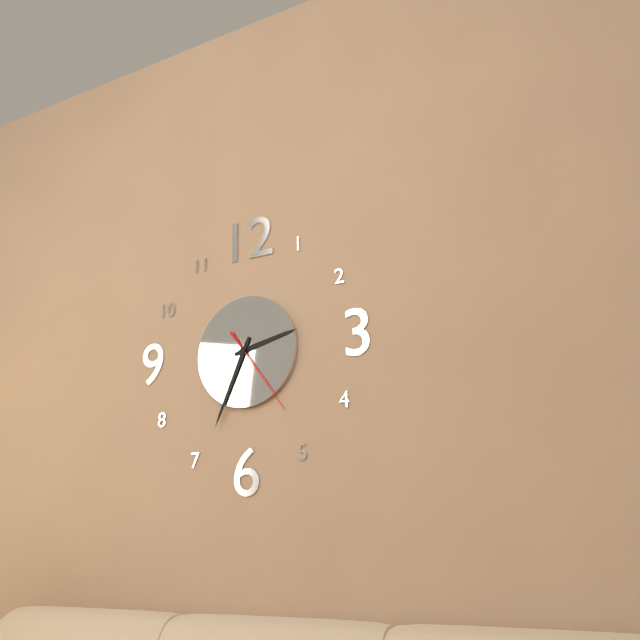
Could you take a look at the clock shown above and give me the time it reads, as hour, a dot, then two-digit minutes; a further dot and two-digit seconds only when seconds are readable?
2.34.24
